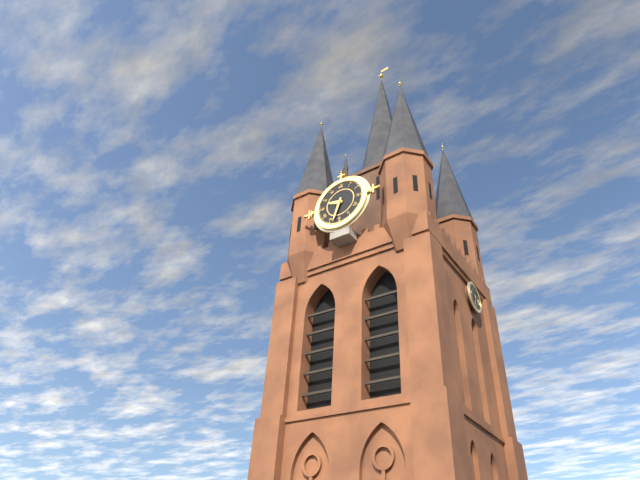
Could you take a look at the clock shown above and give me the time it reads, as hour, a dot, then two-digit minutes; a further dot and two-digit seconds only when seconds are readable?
9.33
